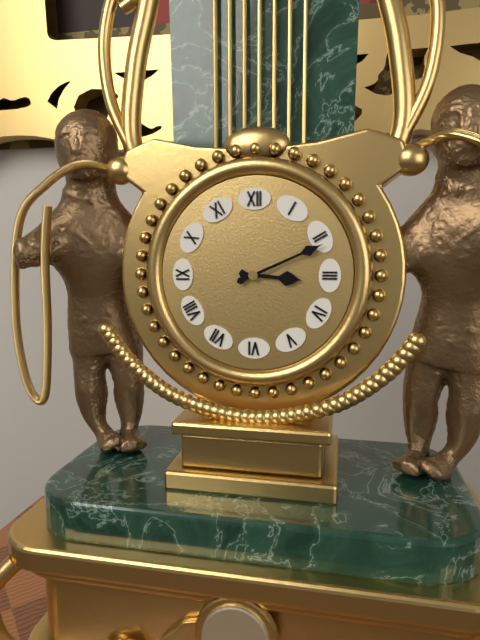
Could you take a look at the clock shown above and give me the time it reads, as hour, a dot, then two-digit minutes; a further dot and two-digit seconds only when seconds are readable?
3.11
